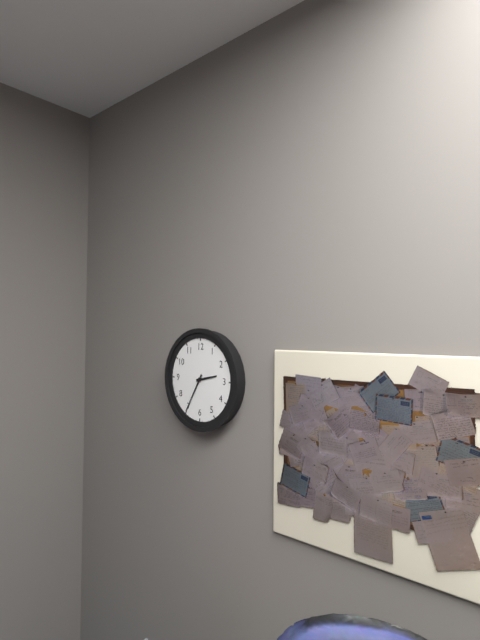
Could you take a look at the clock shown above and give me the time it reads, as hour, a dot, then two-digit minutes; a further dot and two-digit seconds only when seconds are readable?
2.35
